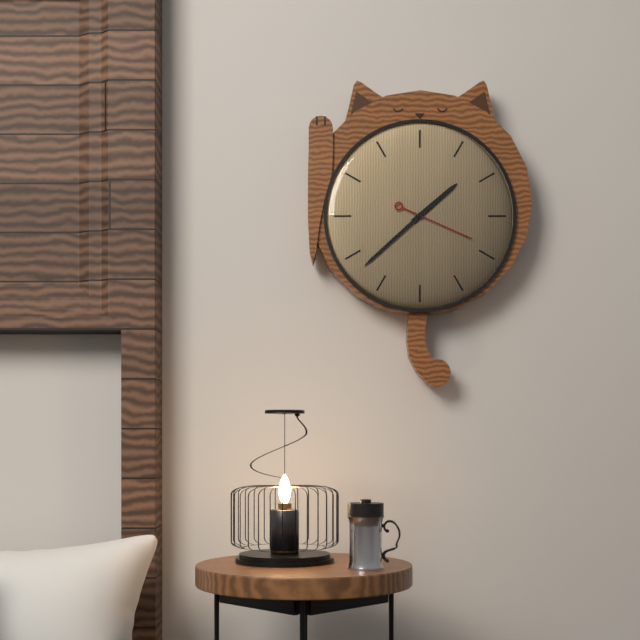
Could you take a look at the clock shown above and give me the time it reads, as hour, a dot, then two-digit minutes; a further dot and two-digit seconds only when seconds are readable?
1.38.19
